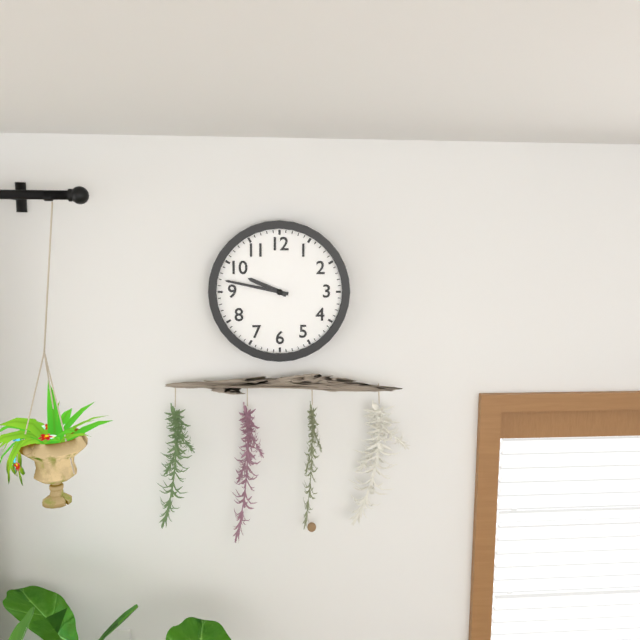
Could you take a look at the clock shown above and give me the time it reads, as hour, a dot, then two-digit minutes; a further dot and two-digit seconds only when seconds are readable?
9.47
